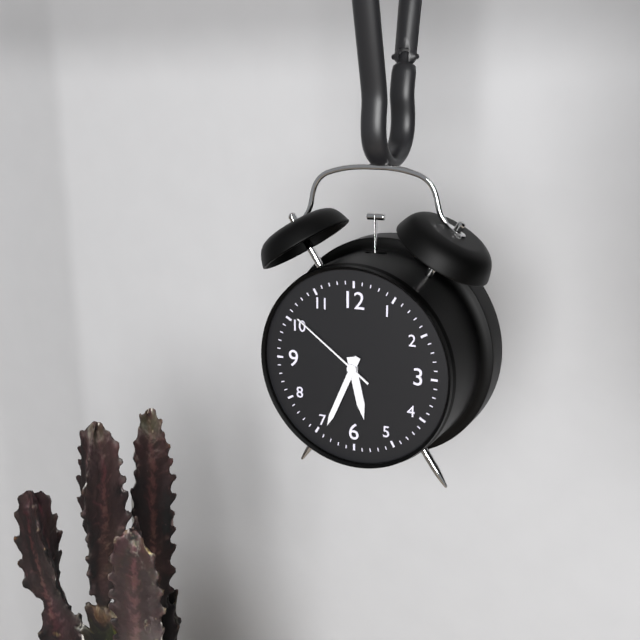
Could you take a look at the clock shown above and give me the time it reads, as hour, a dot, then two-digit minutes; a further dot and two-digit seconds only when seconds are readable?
5.34.51
